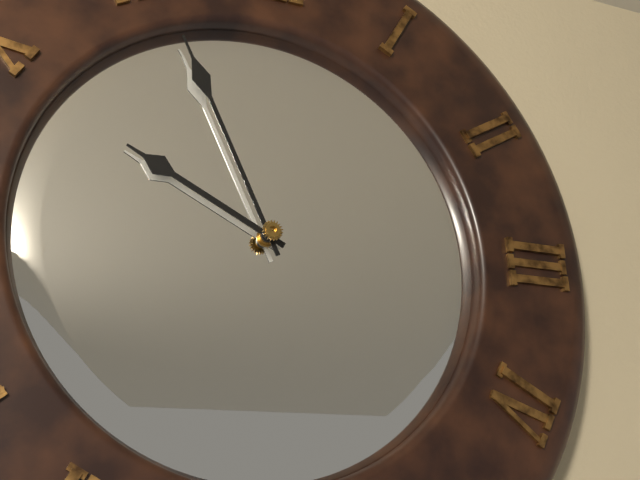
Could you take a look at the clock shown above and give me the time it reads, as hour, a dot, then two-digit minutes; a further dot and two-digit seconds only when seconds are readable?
9.56
